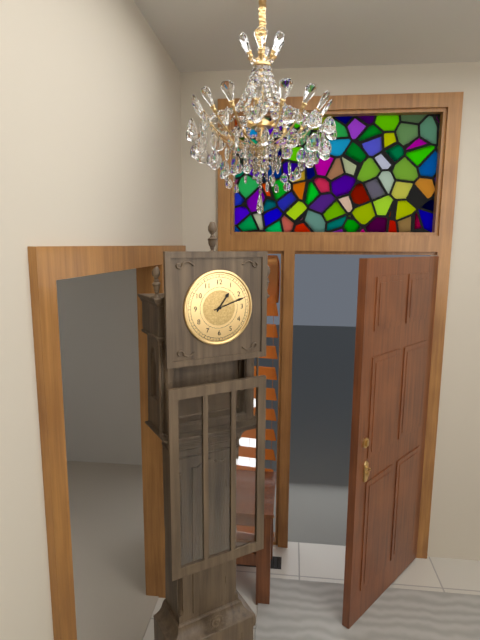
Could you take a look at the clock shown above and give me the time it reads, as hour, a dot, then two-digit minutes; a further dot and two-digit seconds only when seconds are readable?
1.12
